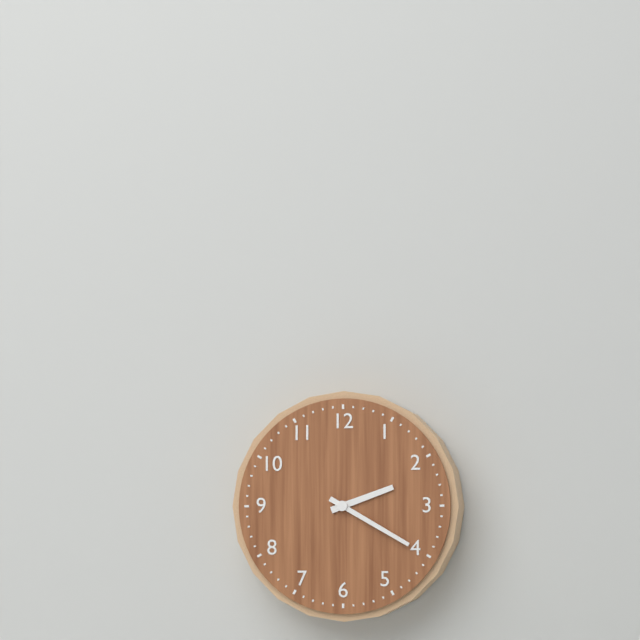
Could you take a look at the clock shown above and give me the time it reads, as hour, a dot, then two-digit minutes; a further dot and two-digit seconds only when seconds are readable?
2.20
